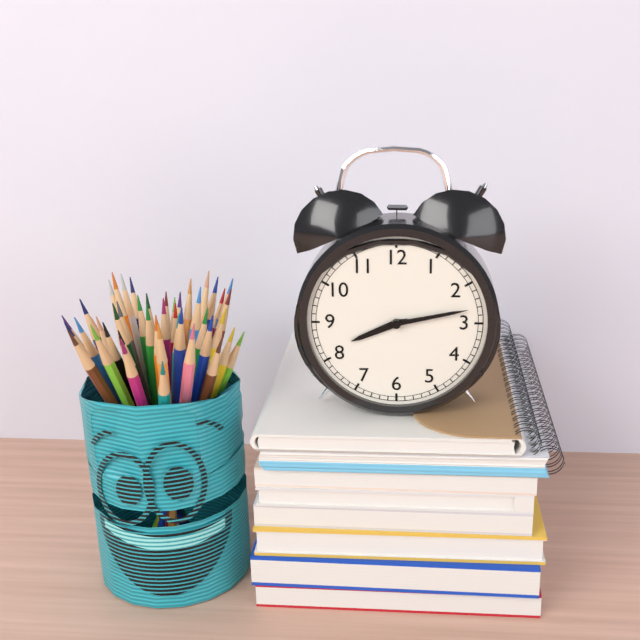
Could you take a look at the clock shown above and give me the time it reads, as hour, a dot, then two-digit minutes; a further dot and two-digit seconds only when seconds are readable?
8.13
